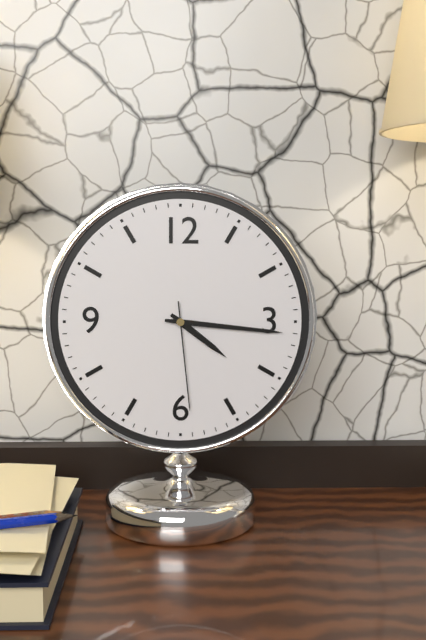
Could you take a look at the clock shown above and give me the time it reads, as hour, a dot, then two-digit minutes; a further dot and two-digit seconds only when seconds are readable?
4.16.29
